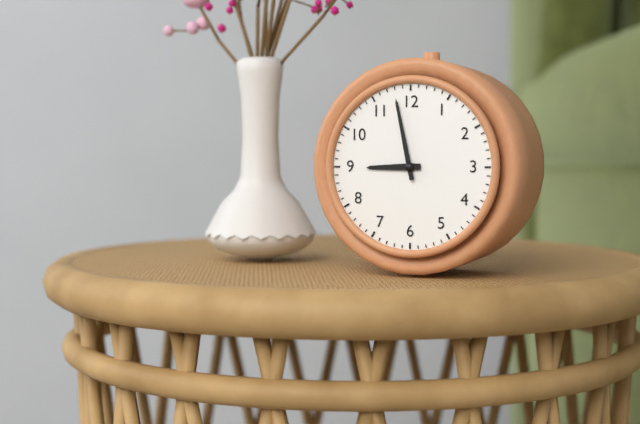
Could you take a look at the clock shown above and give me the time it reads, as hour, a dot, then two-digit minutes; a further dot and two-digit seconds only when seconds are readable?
8.58
